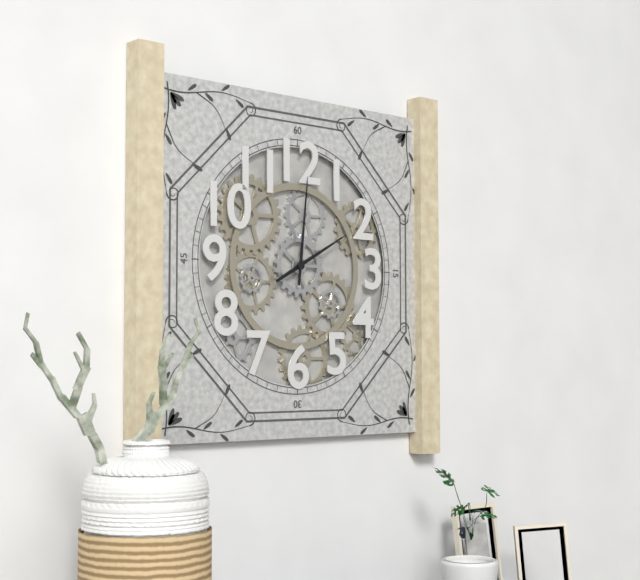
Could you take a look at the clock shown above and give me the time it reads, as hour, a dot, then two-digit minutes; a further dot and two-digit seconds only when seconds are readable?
2.01
